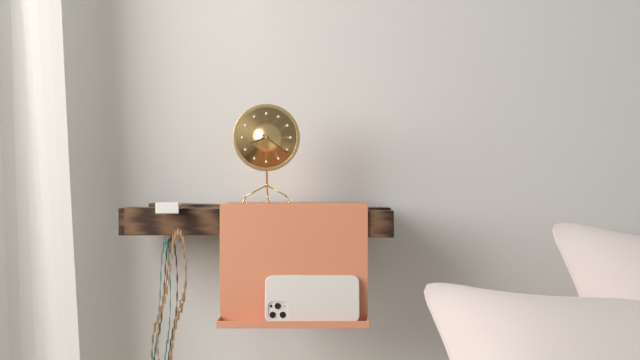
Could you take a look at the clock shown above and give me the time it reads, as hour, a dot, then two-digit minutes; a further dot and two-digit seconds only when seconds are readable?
8.21
